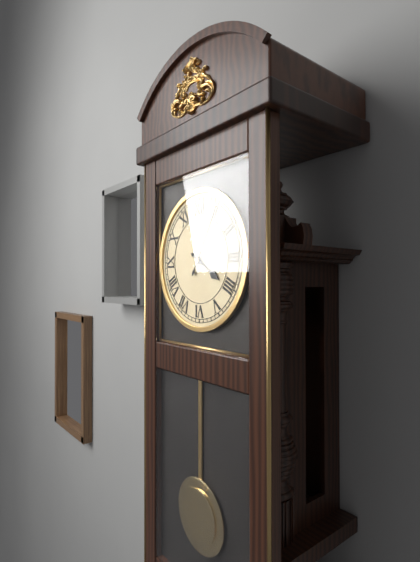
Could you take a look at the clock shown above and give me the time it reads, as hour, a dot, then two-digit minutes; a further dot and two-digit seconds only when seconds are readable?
4.05
